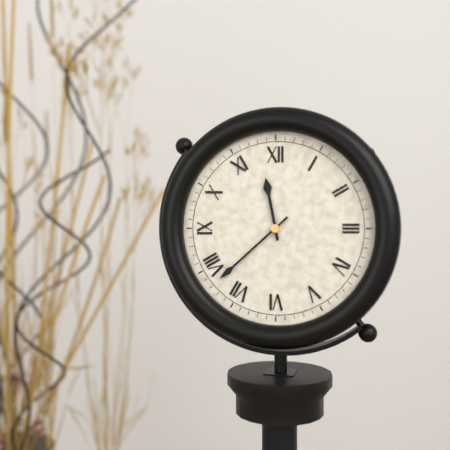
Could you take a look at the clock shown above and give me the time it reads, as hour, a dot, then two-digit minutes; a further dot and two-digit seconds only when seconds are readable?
11.38
